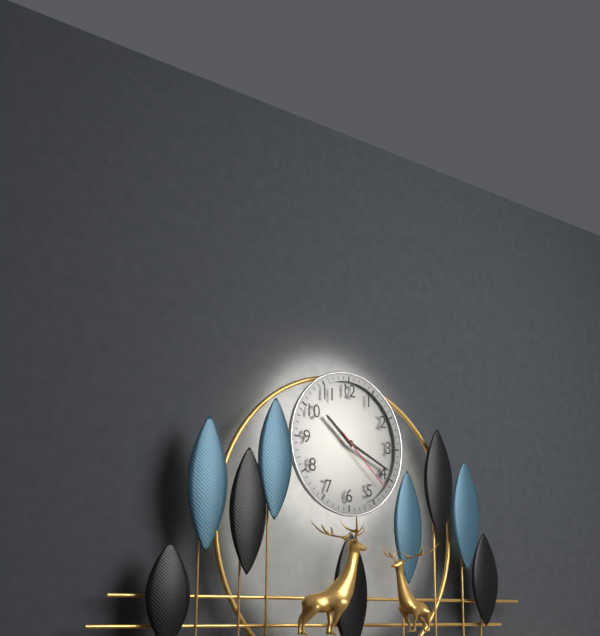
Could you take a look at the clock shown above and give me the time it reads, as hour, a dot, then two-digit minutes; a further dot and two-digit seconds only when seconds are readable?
10.19.22
